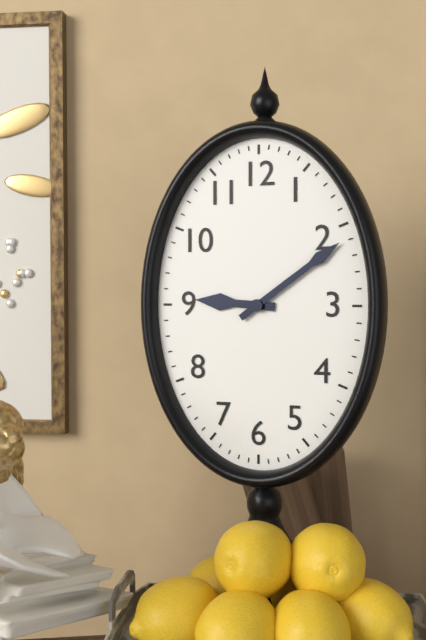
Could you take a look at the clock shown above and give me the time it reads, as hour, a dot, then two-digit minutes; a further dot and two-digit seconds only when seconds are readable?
9.09
